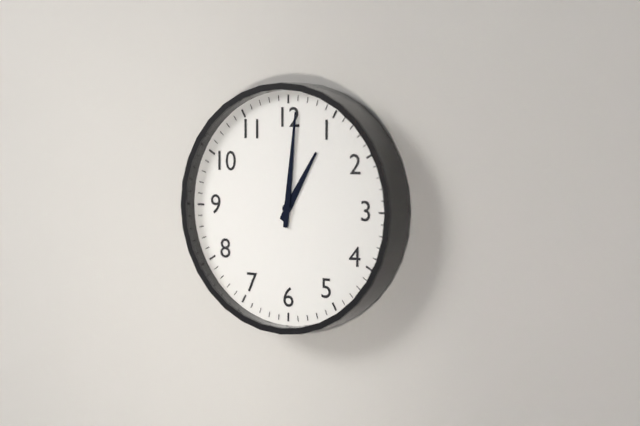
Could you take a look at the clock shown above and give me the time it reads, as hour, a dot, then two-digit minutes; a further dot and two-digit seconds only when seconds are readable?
1.01
